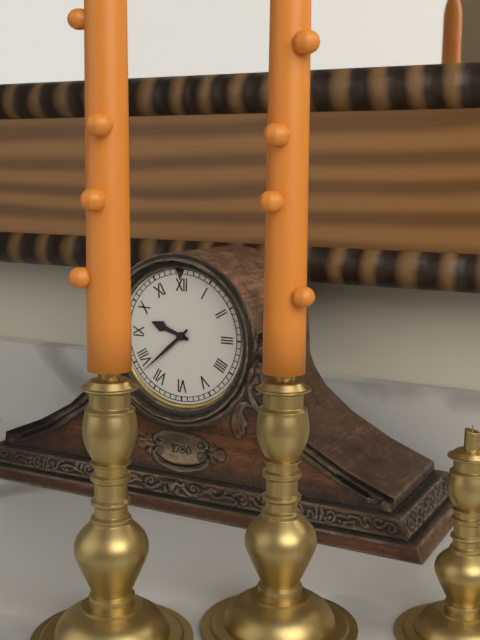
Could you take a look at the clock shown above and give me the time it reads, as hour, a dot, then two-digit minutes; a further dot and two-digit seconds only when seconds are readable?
9.38
